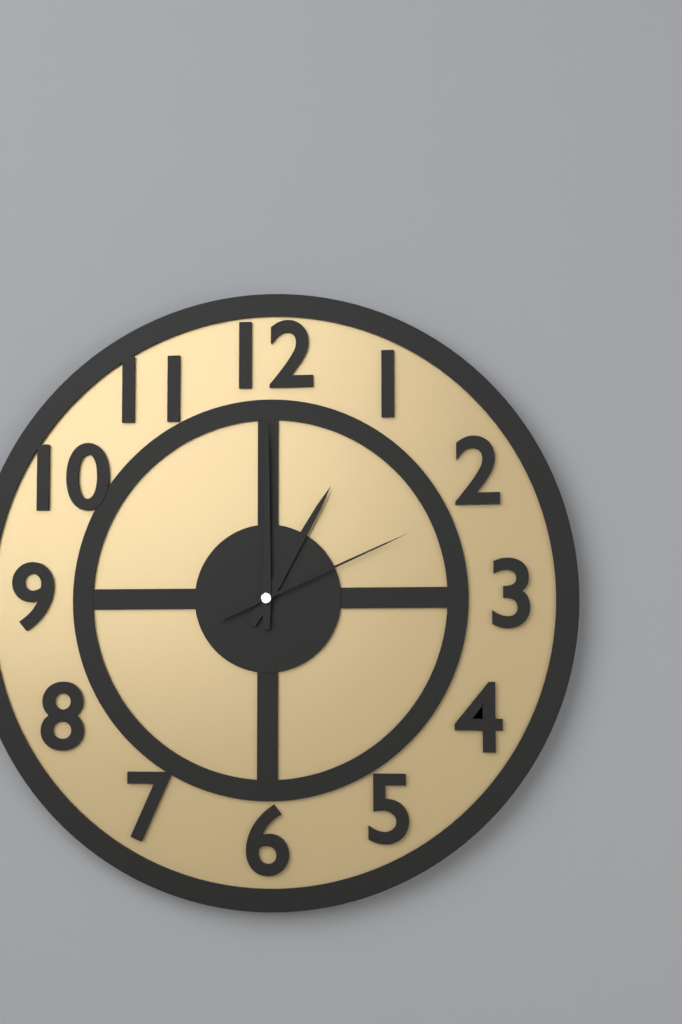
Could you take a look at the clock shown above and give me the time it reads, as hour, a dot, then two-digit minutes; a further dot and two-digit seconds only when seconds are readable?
1.00.11
